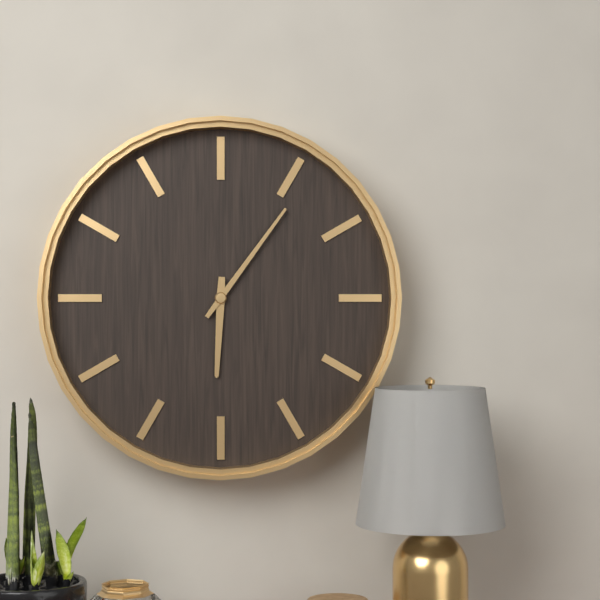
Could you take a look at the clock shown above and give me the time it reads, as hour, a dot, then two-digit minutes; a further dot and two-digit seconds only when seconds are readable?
6.06
